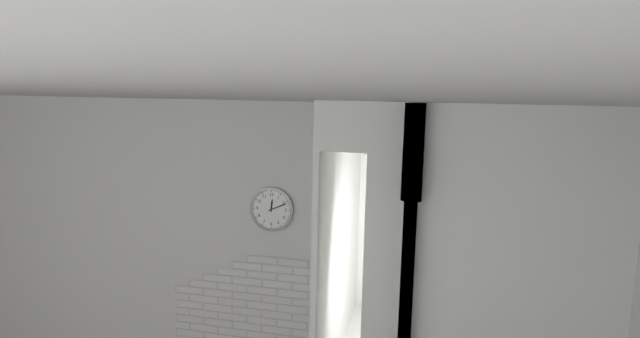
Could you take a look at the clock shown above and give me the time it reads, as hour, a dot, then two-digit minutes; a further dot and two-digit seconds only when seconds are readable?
12.11
